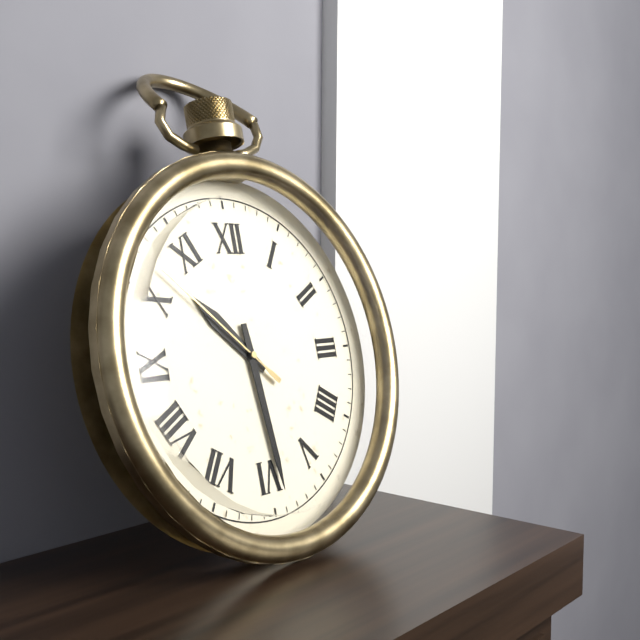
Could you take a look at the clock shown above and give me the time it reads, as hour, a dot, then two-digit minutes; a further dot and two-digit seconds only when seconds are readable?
10.29.52
